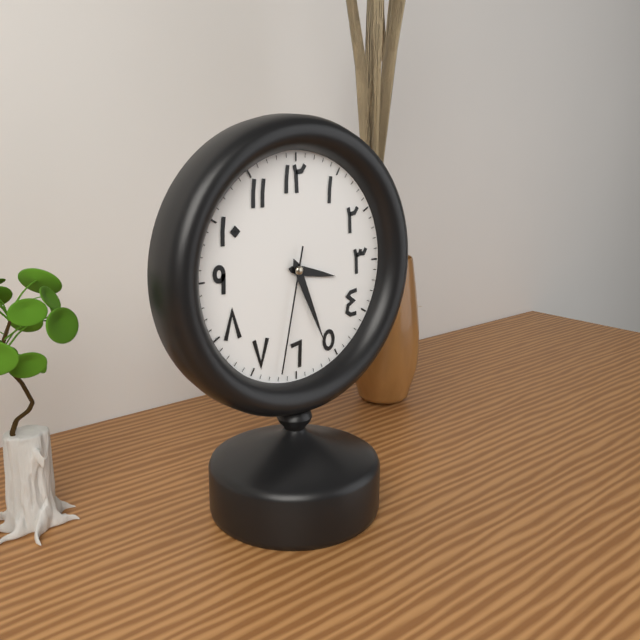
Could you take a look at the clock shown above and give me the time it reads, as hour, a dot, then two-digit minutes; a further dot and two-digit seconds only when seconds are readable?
3.26.32
